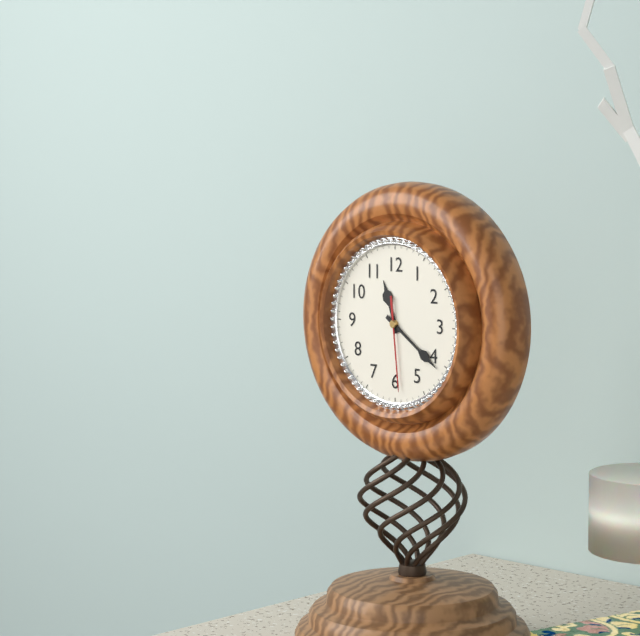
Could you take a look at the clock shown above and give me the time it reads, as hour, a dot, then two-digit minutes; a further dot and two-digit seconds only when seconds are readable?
11.21.29
